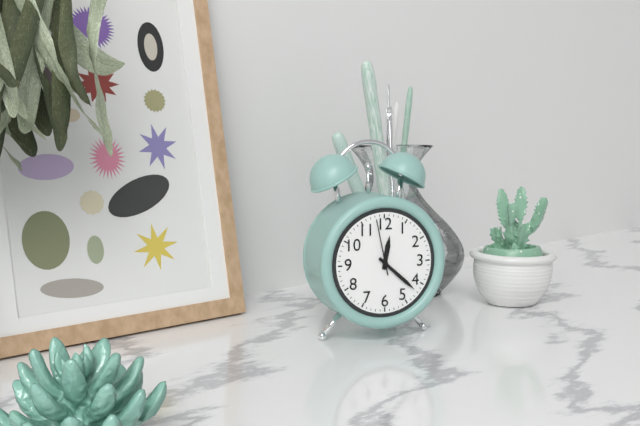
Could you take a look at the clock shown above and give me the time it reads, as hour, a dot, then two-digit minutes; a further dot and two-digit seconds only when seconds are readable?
12.22.58
